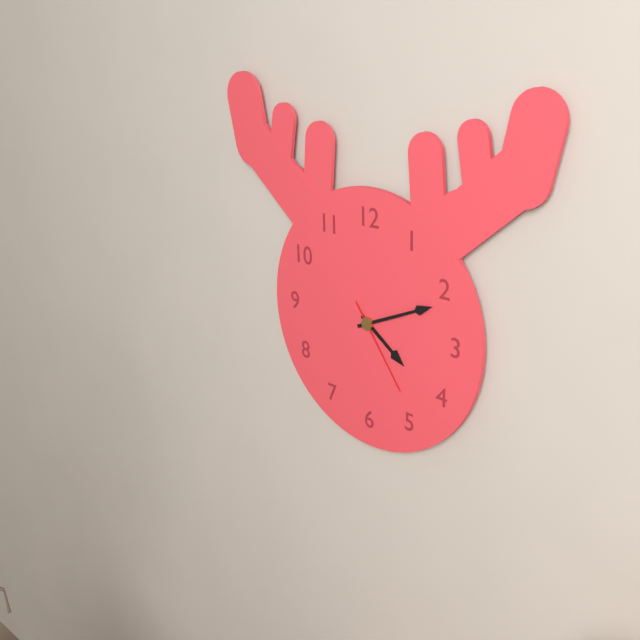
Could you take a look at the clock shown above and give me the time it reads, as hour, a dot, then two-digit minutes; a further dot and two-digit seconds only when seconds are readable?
4.11.24
